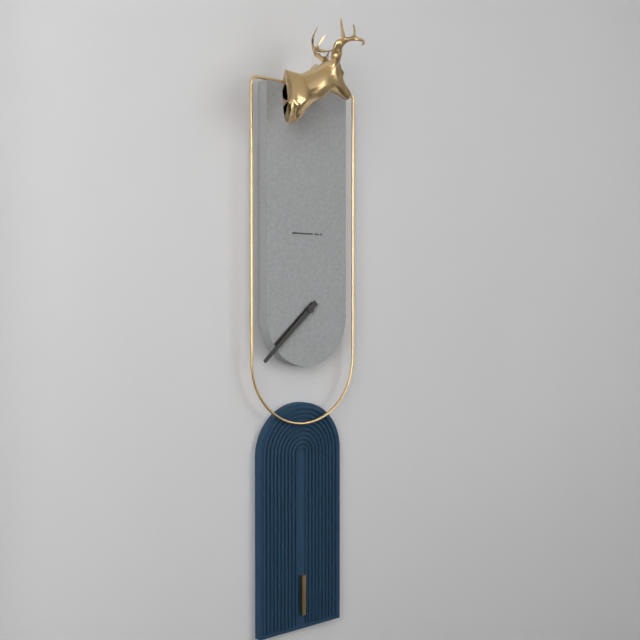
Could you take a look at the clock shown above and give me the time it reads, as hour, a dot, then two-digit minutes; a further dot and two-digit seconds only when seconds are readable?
7.38
